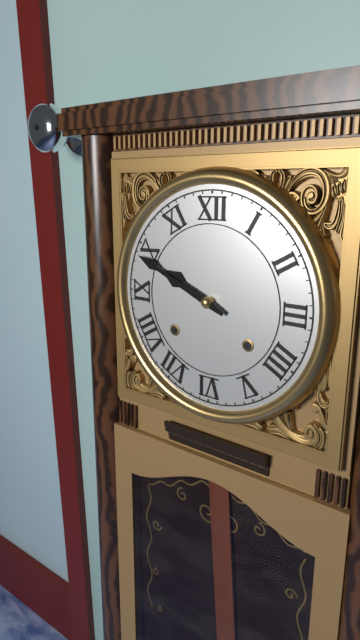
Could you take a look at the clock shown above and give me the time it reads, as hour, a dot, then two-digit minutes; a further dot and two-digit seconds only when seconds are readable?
9.49
